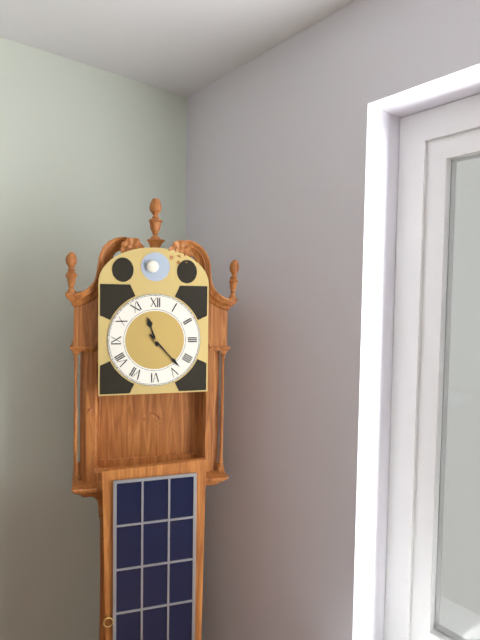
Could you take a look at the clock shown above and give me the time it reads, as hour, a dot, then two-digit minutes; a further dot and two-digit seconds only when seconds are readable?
11.23
